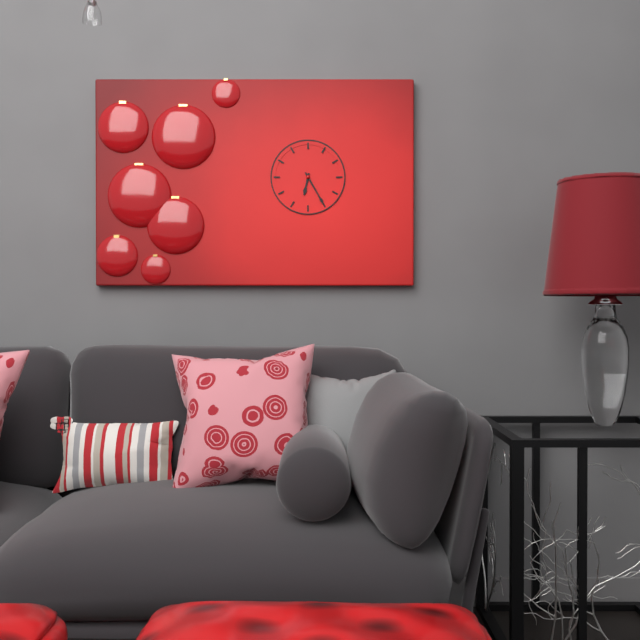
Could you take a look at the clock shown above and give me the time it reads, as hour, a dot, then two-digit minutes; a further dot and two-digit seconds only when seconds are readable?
6.25
